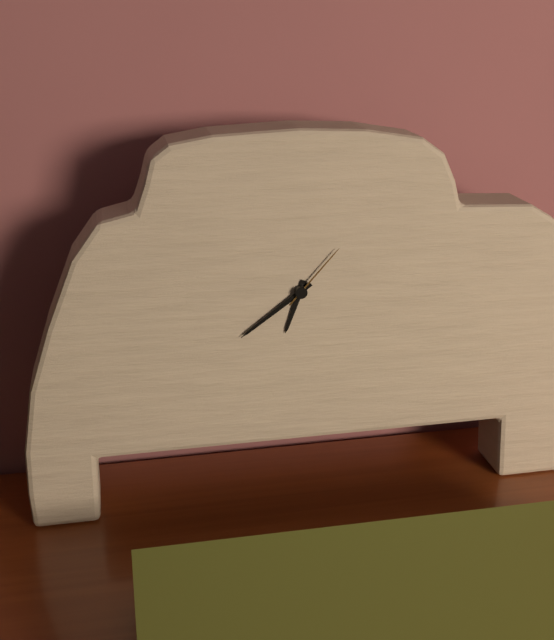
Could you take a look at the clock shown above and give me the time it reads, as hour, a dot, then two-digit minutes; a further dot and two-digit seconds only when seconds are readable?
6.39.07
